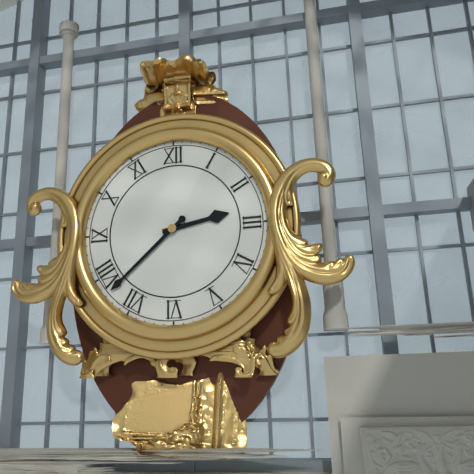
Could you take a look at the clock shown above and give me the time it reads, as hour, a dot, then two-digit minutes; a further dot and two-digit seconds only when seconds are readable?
2.38
